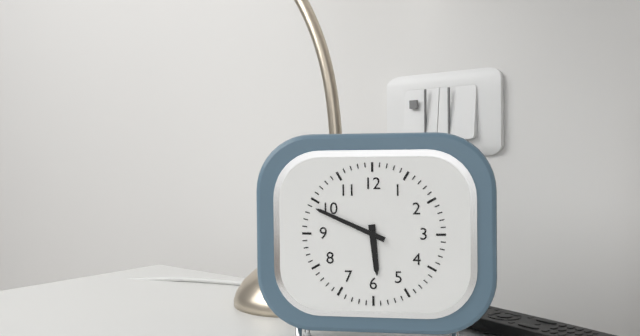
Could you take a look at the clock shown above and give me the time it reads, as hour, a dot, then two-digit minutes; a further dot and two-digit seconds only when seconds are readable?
5.49
